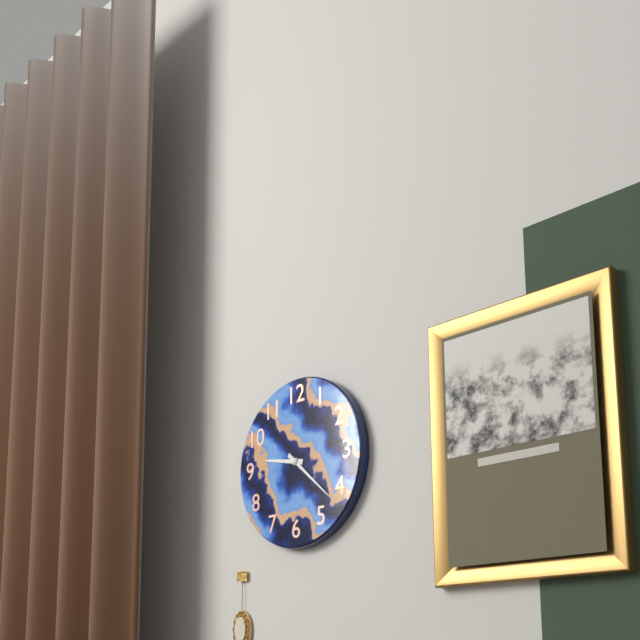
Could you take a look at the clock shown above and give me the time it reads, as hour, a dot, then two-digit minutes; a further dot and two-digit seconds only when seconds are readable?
9.22
